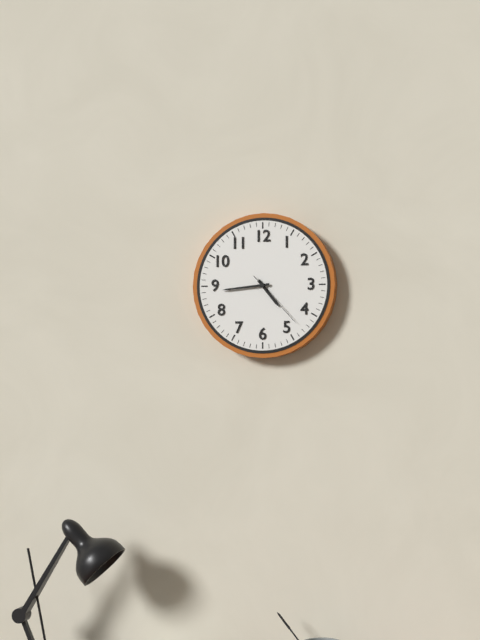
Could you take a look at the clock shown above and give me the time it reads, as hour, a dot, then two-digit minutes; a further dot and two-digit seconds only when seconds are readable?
4.44.23
